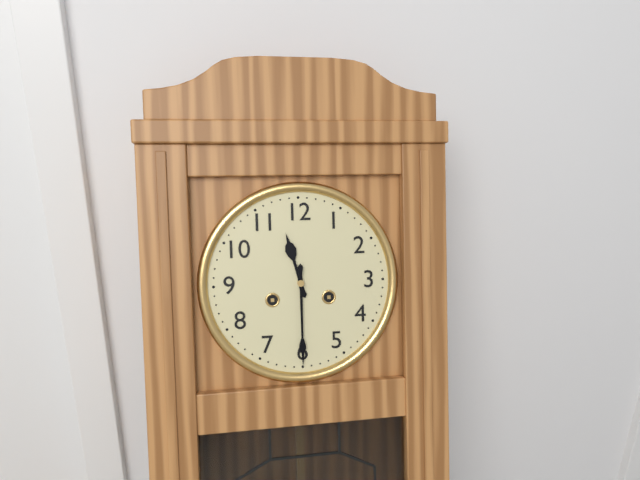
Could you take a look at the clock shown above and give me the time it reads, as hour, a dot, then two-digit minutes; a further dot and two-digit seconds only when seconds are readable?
11.30
